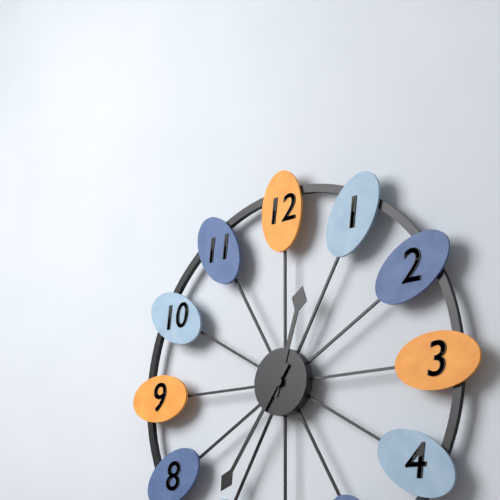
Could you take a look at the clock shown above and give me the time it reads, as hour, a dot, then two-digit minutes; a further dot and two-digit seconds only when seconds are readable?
12.36
